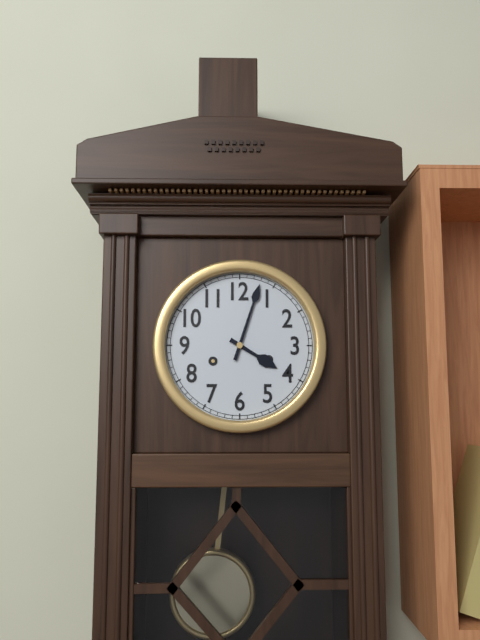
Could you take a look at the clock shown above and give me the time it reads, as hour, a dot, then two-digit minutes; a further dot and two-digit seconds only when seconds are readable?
4.03
